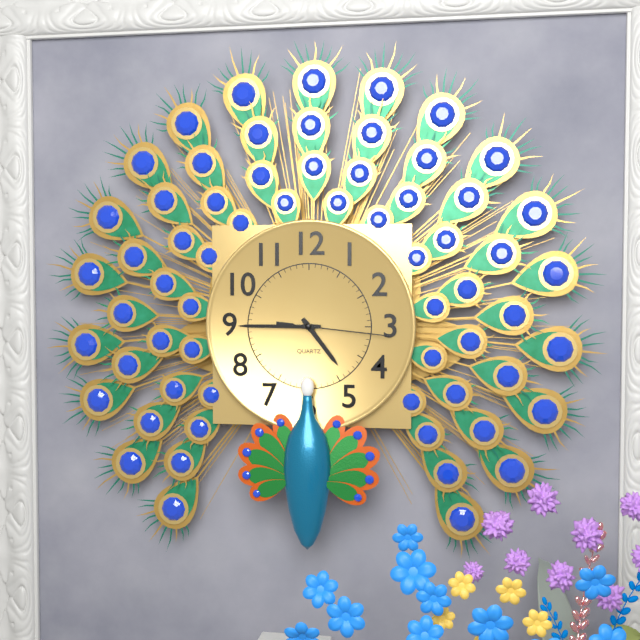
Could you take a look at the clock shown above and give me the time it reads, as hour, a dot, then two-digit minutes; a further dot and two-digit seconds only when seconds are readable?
4.45.16
